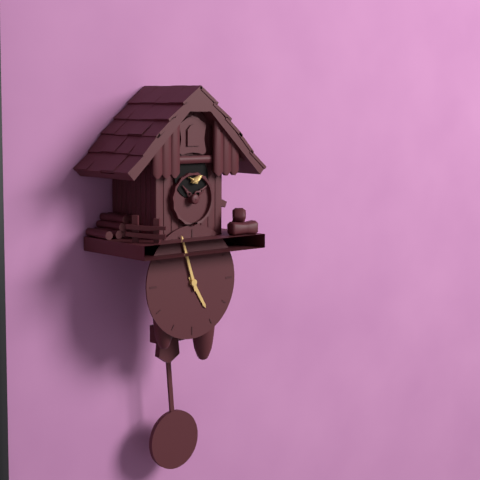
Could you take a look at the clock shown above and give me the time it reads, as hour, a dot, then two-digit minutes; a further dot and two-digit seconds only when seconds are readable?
4.57
